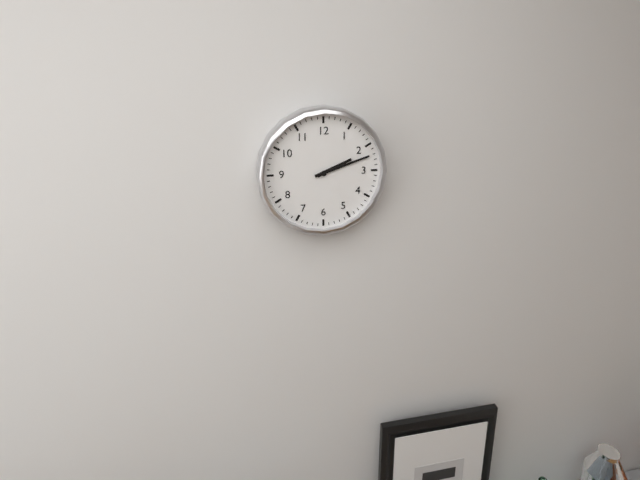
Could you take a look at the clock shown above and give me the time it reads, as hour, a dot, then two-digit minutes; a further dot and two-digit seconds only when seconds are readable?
2.12
